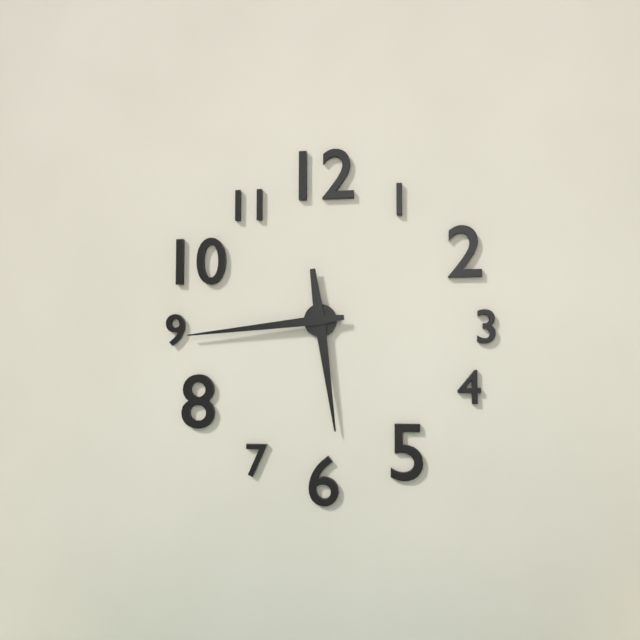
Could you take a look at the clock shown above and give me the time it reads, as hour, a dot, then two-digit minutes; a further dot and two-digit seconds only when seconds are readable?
5.44
